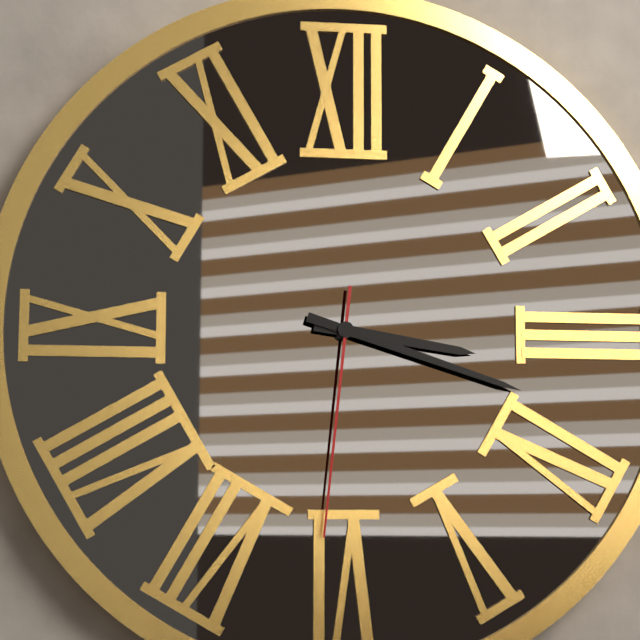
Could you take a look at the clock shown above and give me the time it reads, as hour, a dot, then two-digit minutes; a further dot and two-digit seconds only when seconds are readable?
3.18.31
